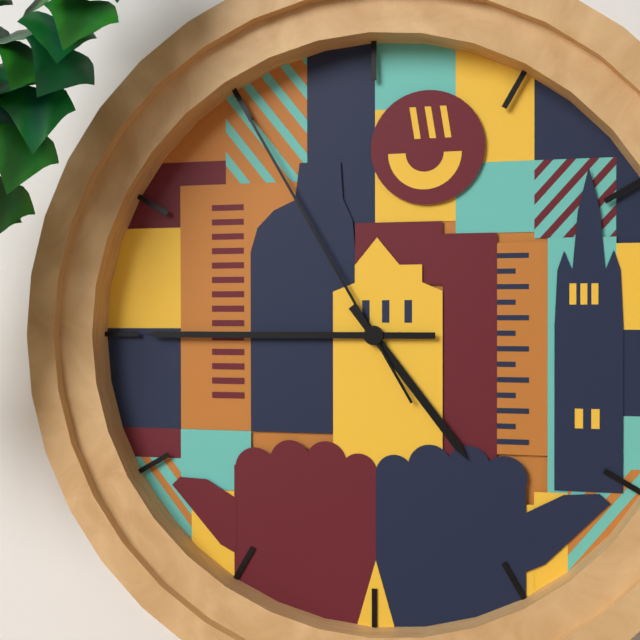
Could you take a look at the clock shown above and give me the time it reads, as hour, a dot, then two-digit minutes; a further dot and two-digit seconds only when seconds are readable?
4.45.55
